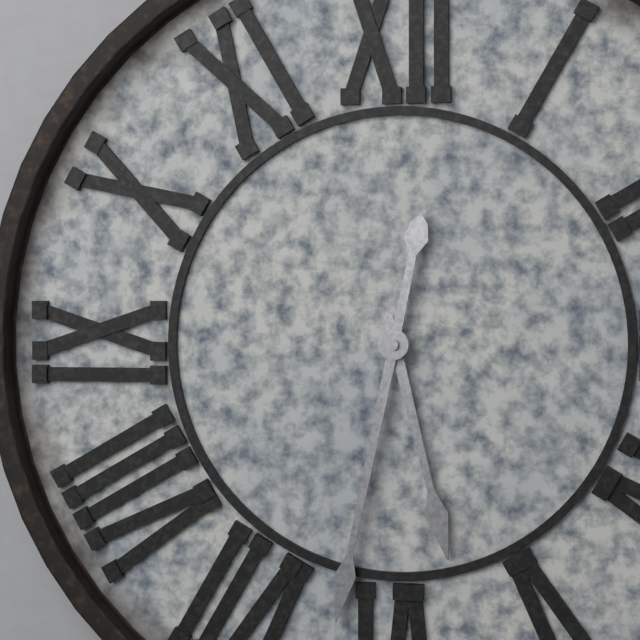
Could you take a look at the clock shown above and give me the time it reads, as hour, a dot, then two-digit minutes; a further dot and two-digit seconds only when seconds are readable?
5.32
